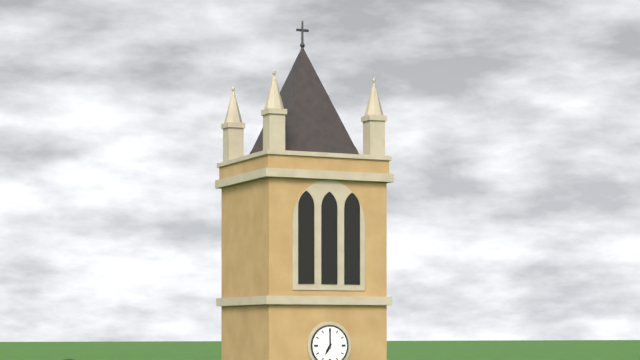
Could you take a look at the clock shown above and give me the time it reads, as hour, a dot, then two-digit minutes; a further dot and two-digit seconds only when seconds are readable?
7.00
